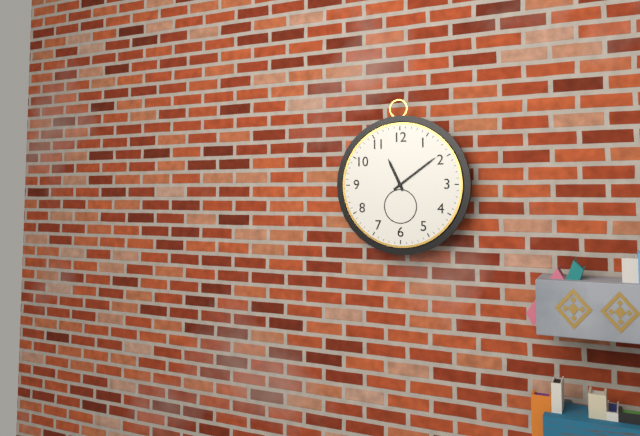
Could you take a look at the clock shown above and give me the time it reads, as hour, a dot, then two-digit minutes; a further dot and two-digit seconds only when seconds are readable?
11.09
